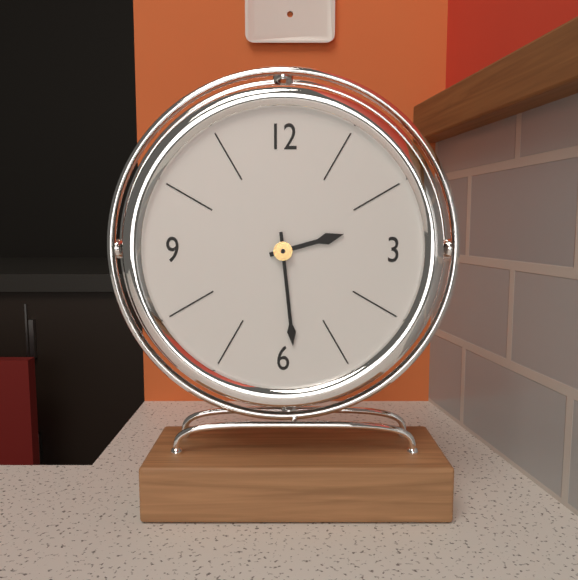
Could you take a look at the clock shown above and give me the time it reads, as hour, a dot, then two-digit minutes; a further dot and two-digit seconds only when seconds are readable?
2.29
